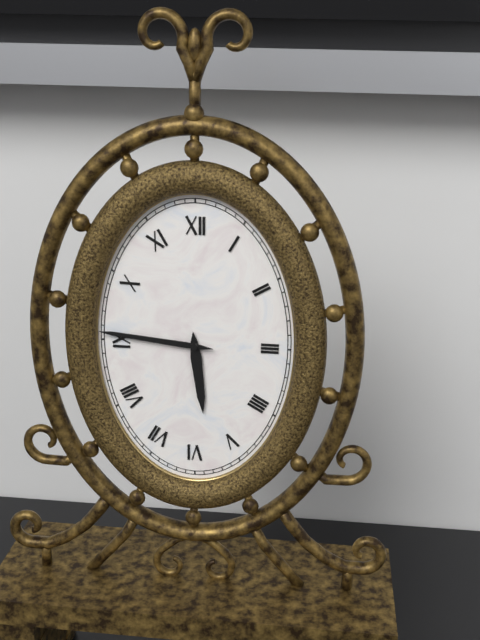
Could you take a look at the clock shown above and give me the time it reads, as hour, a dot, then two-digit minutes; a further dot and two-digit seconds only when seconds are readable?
5.46
